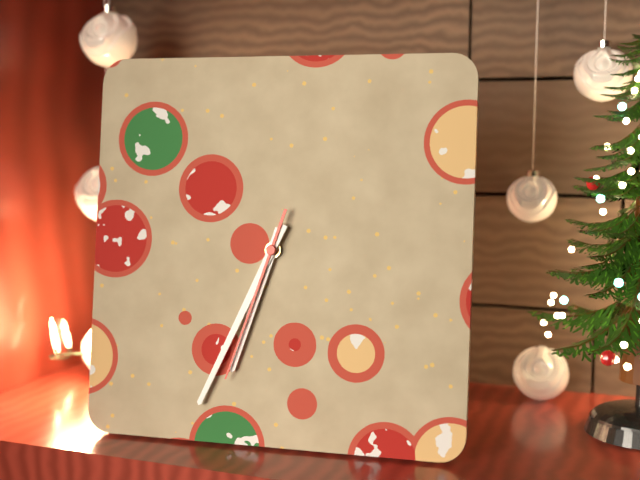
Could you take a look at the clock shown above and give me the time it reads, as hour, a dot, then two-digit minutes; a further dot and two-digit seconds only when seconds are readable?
6.34.33
